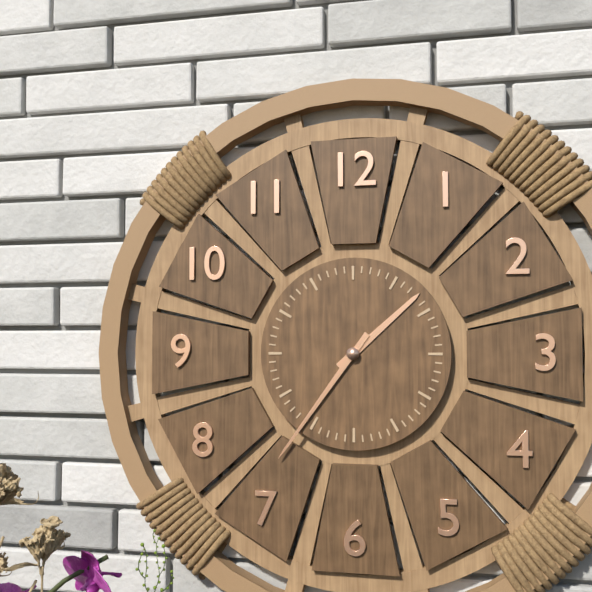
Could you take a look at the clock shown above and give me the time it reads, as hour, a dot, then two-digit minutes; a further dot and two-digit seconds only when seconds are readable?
1.36
